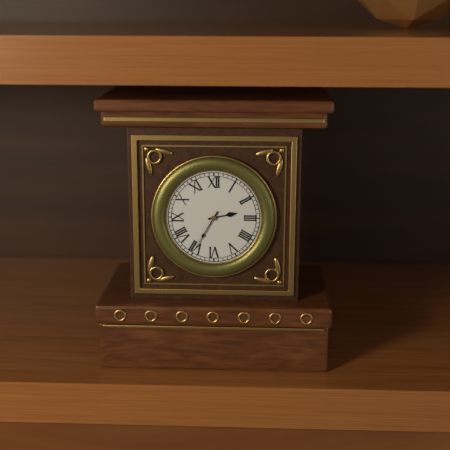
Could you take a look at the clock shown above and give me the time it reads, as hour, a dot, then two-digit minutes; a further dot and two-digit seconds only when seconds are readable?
2.35
